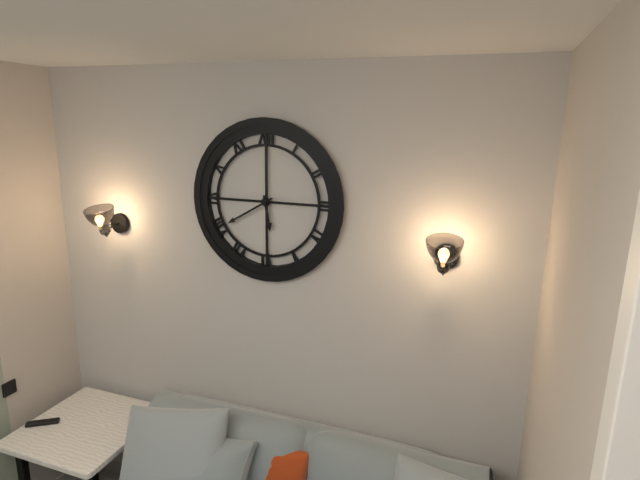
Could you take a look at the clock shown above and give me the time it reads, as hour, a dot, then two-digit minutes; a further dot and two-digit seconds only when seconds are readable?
5.40
